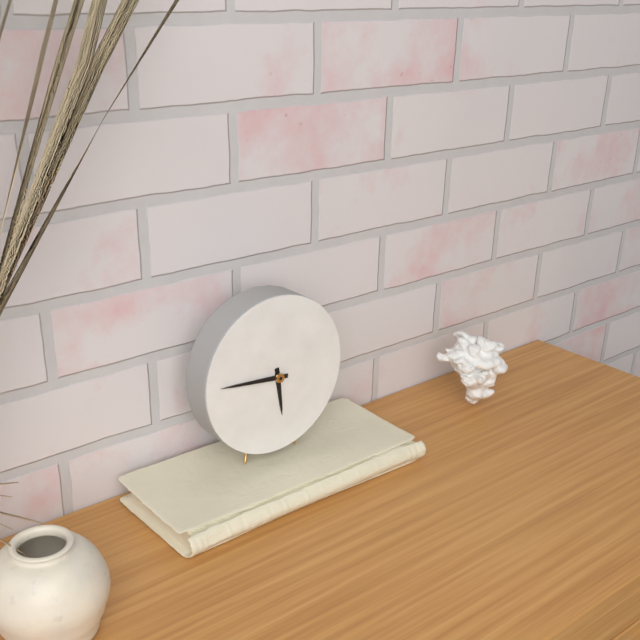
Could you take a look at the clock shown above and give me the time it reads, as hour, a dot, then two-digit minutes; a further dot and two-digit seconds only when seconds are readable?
5.46
